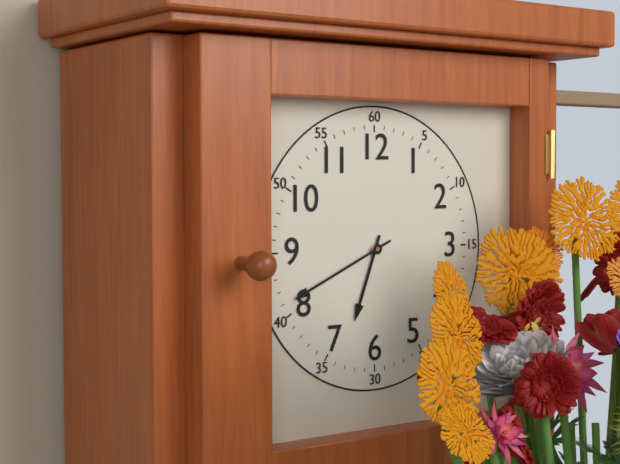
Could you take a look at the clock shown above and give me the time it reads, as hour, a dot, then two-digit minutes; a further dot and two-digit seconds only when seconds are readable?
6.41
